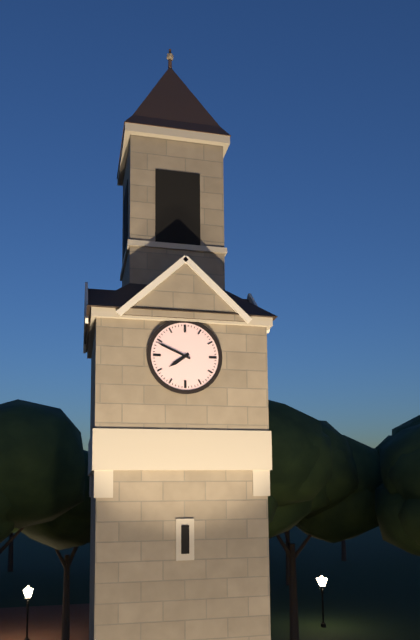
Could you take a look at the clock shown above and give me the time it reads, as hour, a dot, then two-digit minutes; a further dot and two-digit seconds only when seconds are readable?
7.49
